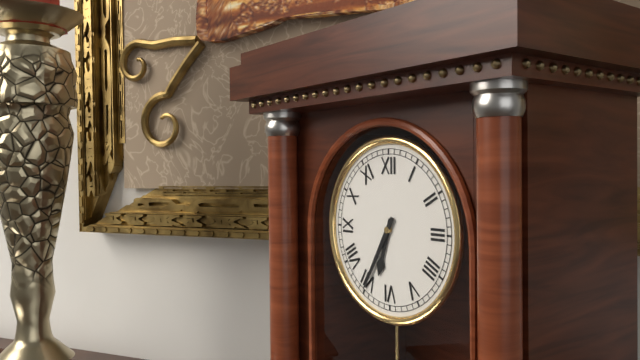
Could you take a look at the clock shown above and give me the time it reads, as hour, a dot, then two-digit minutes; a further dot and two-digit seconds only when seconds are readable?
6.35
